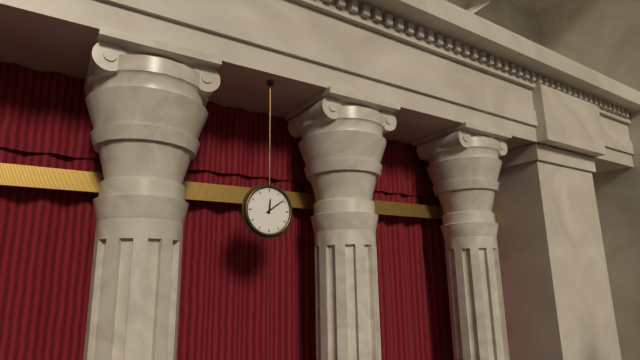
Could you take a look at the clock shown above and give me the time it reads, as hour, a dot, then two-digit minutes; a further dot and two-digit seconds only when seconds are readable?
12.09
